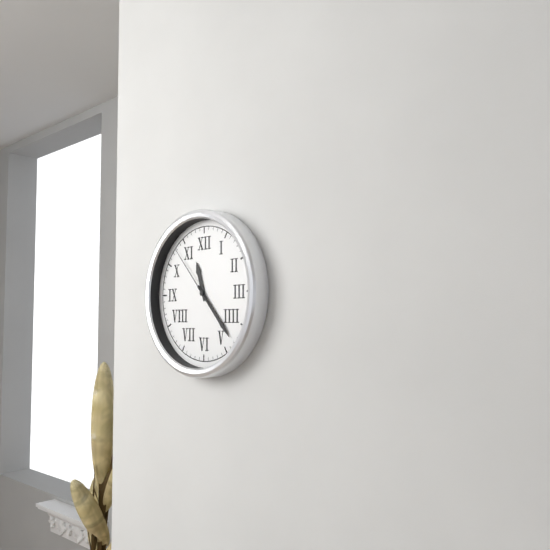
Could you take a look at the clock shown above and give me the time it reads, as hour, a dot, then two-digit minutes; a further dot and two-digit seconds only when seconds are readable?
11.23.53
